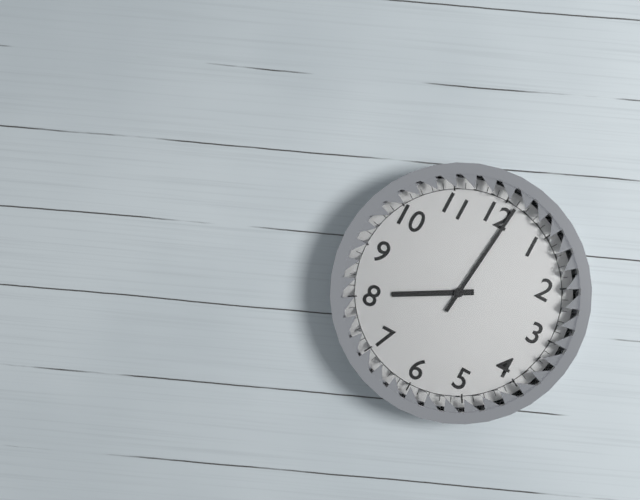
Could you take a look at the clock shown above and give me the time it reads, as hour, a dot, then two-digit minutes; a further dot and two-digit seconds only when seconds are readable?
8.01
